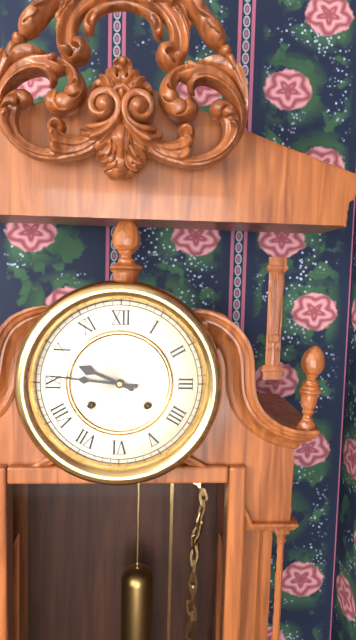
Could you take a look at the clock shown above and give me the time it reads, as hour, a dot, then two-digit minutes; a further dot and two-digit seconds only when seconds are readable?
9.46
